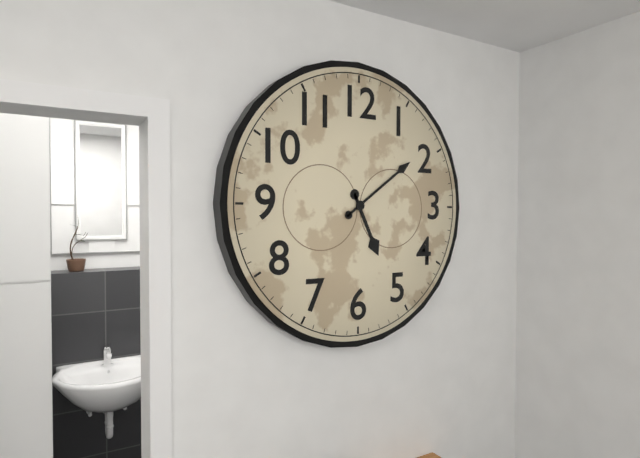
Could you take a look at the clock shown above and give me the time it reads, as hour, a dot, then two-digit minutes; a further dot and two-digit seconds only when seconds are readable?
5.09
